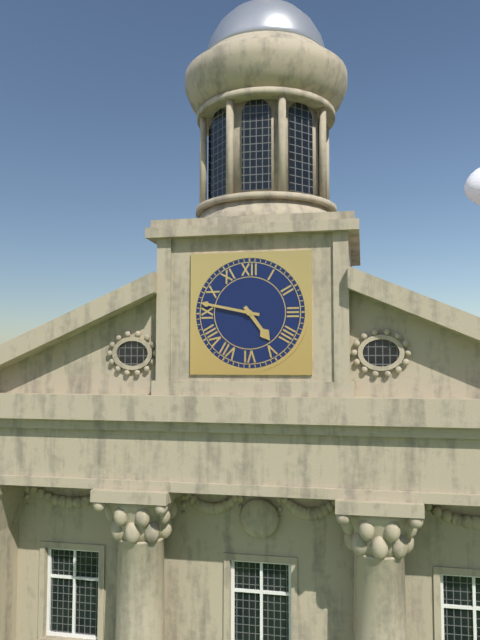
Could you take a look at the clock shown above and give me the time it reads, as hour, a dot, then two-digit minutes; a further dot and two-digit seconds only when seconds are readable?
4.47
